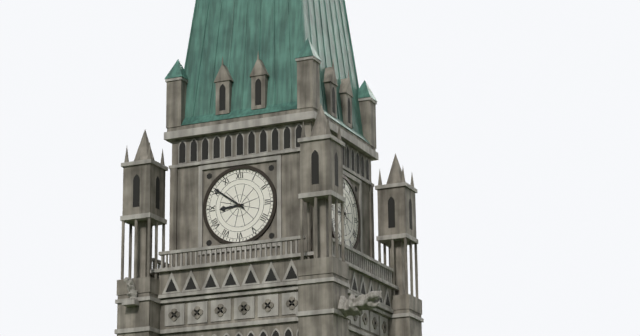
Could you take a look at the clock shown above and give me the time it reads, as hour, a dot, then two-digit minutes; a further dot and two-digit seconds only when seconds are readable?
8.51
